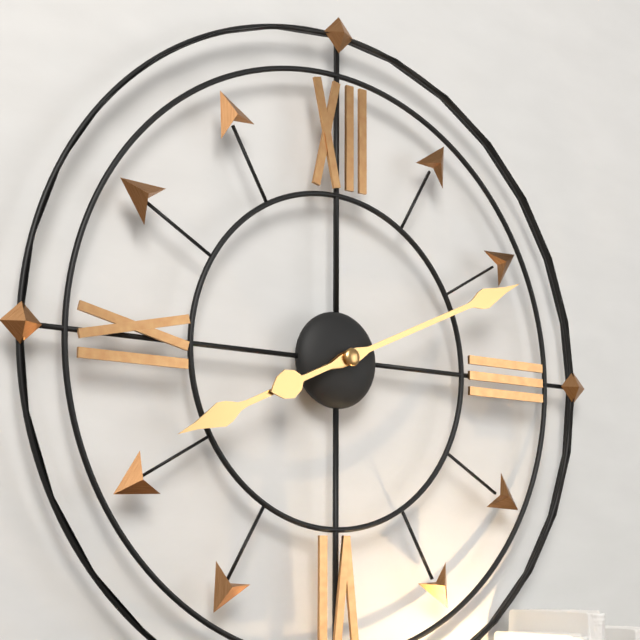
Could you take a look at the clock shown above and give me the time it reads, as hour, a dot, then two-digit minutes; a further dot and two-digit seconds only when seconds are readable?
8.11
